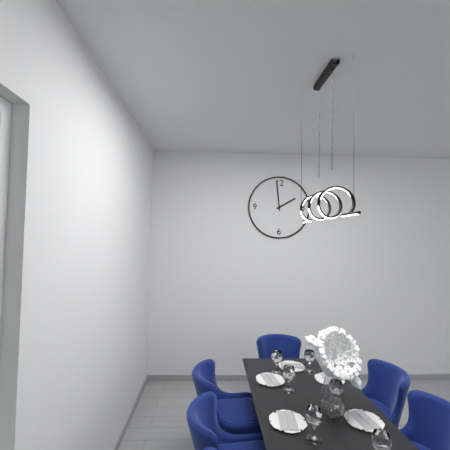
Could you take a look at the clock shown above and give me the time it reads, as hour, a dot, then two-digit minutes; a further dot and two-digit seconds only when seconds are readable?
1.59
